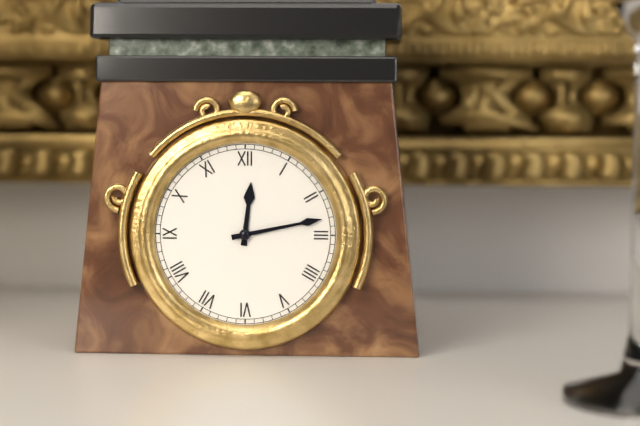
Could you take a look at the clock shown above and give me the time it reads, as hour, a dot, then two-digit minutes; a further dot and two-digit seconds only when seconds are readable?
12.13
